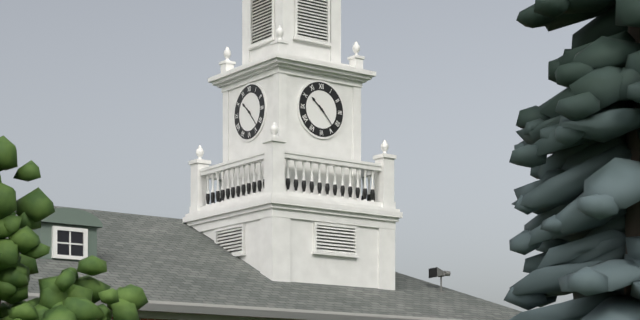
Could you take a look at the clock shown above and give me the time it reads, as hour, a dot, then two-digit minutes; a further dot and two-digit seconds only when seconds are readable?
10.23
